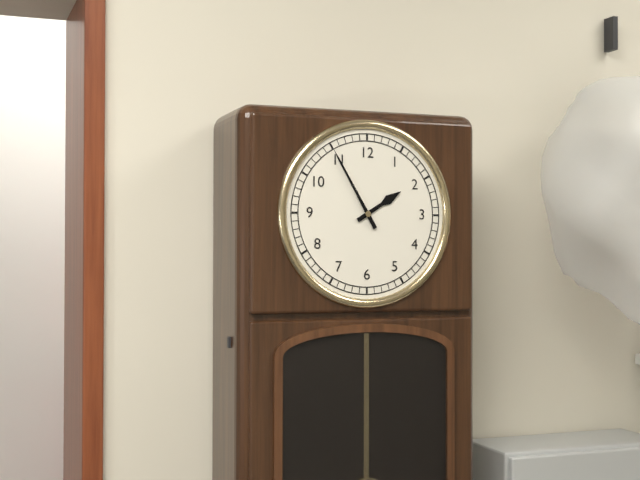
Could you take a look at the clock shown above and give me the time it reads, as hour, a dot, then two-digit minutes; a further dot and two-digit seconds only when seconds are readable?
1.55
